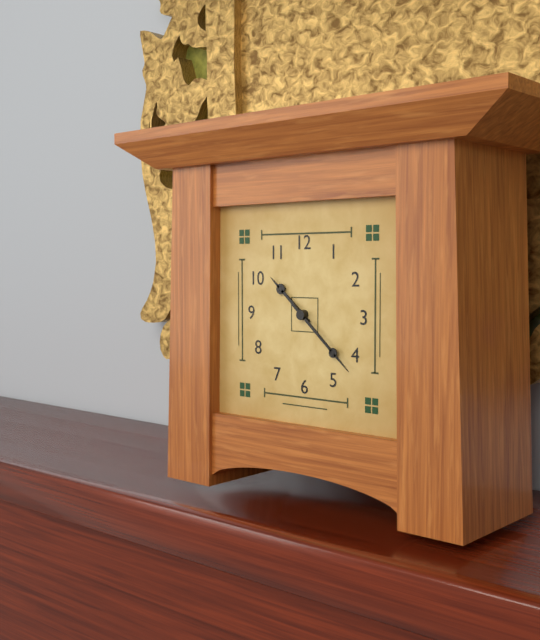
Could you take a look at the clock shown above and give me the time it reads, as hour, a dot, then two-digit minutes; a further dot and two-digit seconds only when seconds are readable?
10.22
